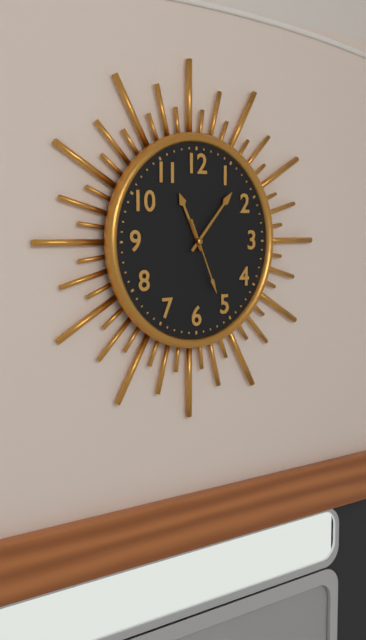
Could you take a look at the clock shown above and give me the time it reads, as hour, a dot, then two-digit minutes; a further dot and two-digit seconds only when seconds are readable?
11.07.26
